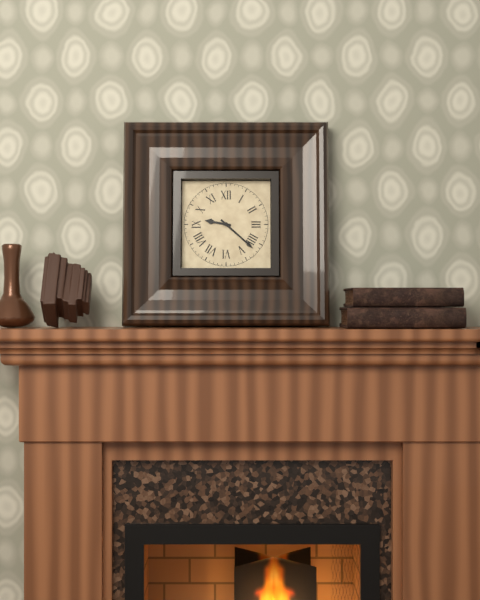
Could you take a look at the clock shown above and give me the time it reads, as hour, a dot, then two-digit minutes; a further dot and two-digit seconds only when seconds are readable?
9.22
